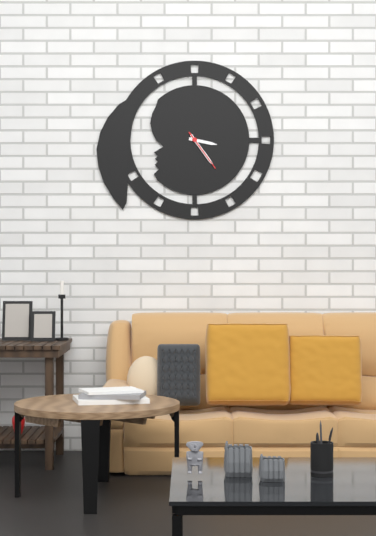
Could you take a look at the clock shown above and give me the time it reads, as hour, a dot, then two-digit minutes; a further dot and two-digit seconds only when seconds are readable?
3.24
